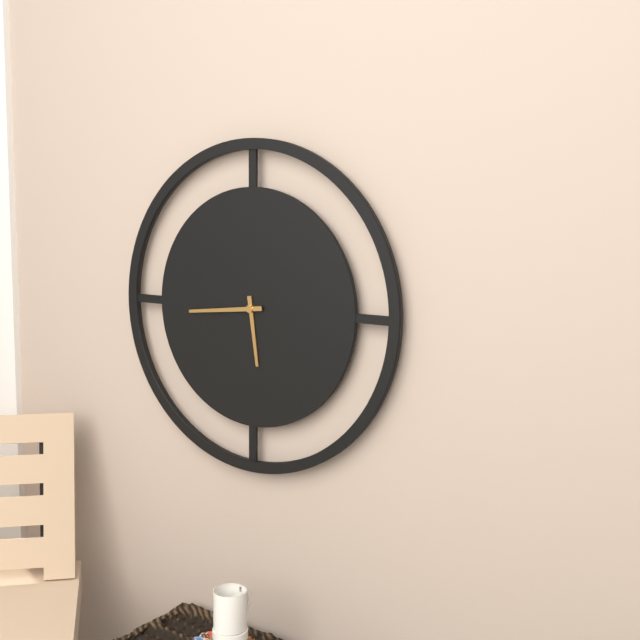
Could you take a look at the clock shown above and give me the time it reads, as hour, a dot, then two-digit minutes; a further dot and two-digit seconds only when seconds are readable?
5.44
